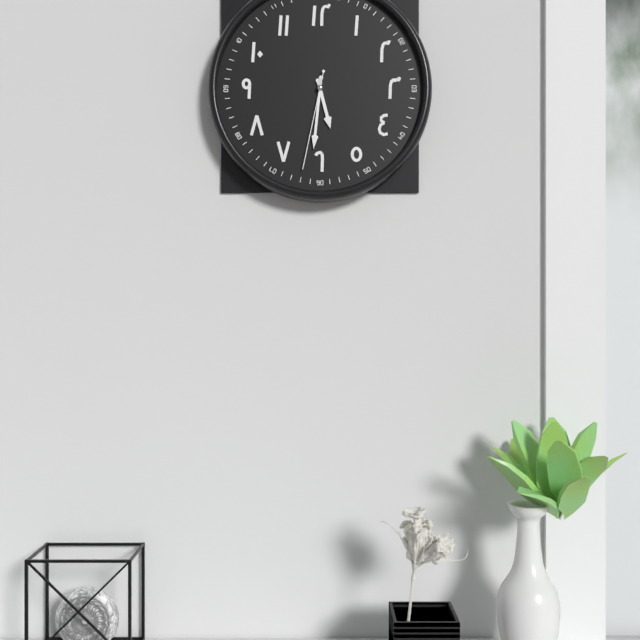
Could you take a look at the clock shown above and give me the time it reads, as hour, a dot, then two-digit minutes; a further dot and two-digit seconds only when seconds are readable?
5.31.32
